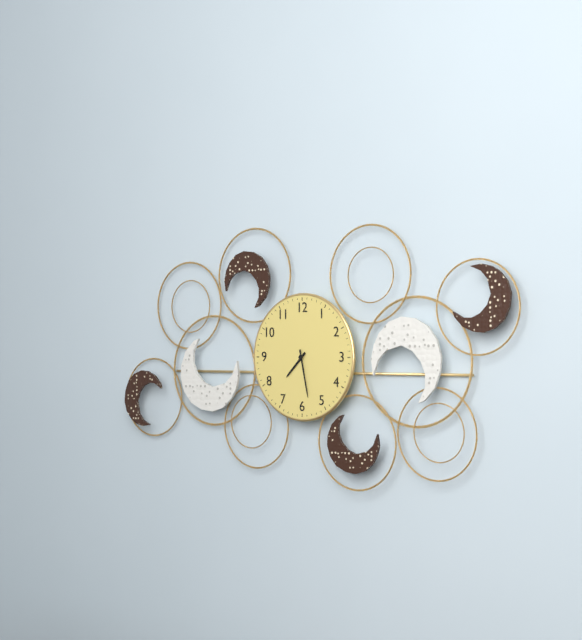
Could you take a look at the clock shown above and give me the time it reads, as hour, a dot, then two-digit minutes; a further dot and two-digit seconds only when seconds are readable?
7.28
